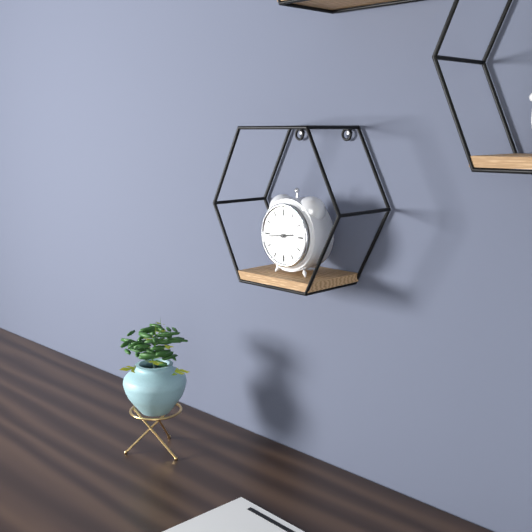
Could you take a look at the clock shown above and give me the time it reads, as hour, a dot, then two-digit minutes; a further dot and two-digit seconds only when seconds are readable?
2.44
